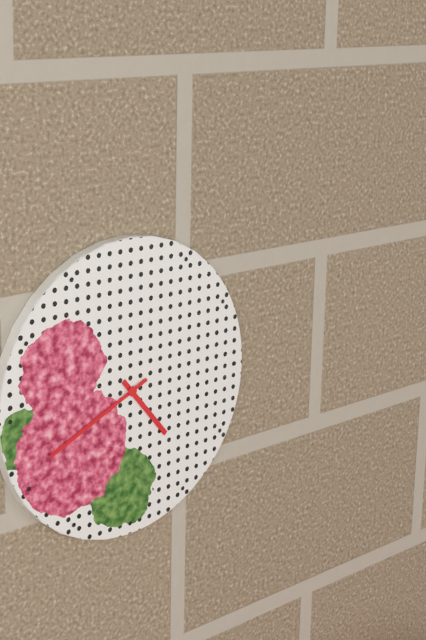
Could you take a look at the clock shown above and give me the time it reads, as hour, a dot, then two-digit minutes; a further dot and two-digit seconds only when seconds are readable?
4.41
